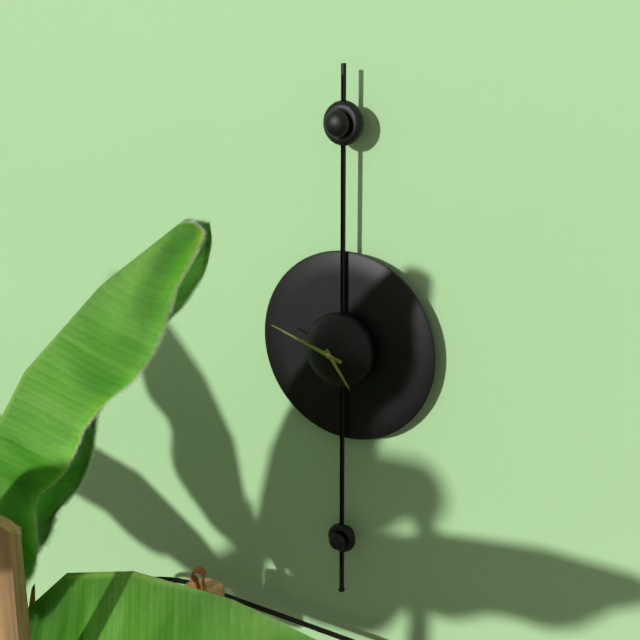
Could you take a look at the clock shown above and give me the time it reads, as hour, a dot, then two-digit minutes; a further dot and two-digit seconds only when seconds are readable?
4.48
